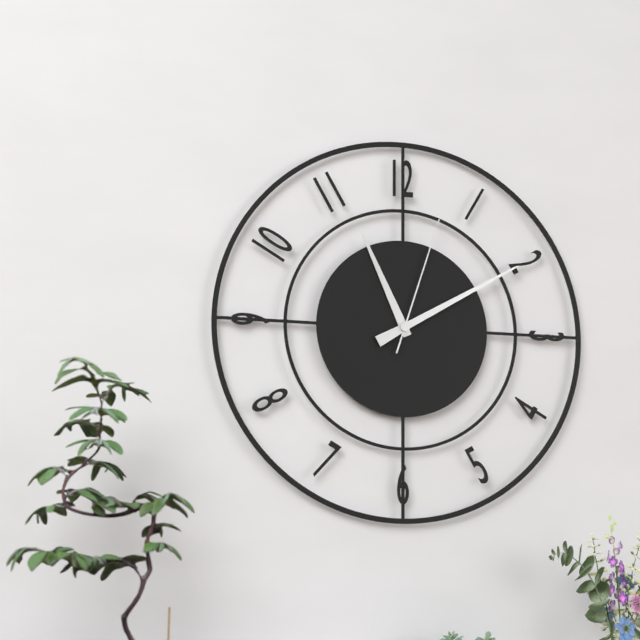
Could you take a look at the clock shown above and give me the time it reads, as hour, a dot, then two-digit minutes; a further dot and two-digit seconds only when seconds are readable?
11.10.03
